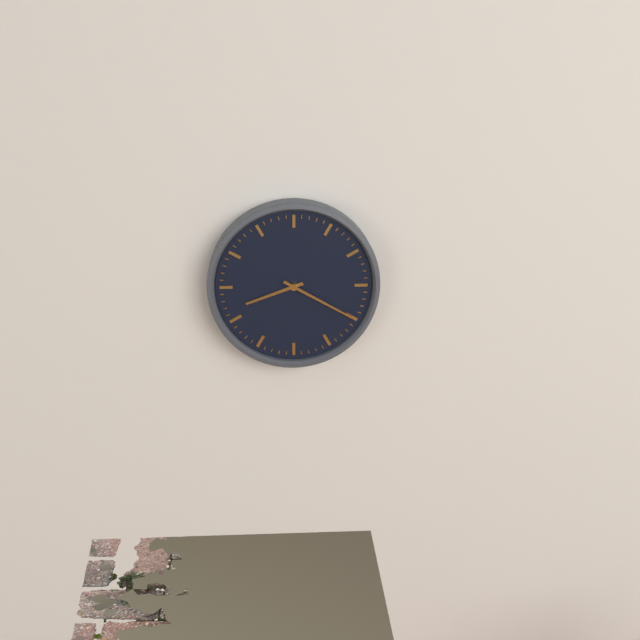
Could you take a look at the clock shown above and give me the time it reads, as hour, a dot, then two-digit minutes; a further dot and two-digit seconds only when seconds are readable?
8.20
